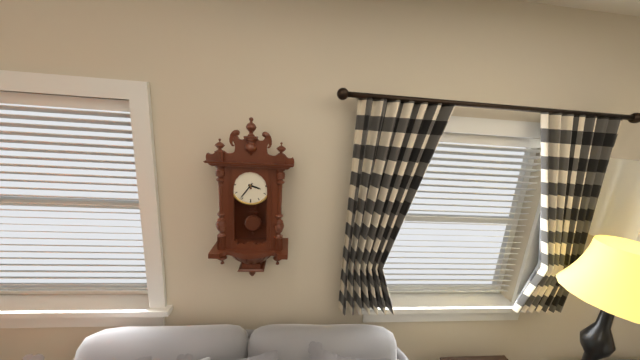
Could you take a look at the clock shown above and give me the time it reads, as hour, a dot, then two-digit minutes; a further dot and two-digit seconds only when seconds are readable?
3.36
